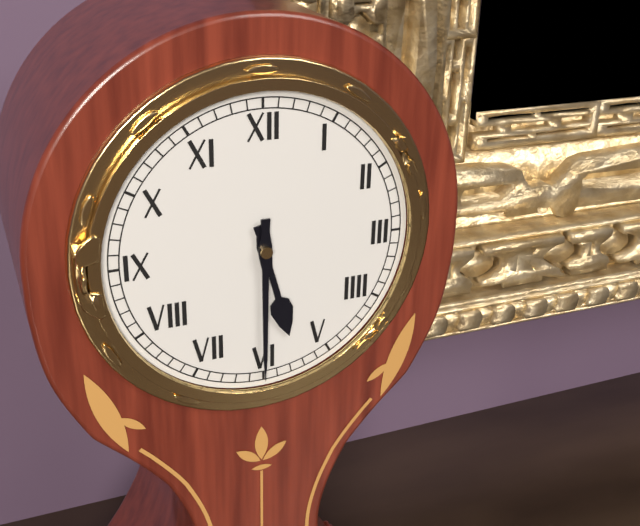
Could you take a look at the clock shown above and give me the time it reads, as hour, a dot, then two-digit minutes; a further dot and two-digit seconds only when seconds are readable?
5.30
